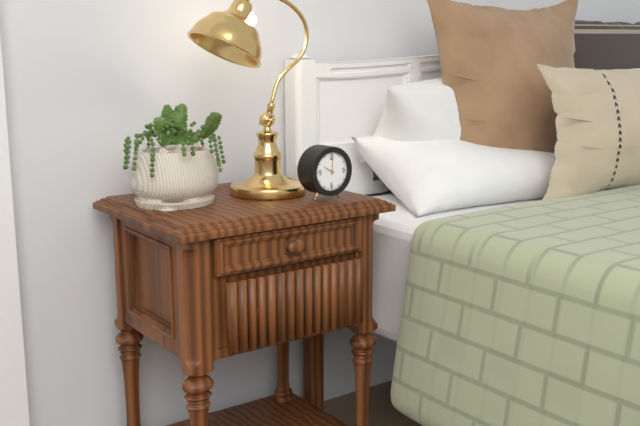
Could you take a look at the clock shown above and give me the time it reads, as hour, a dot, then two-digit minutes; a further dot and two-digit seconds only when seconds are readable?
10.01
